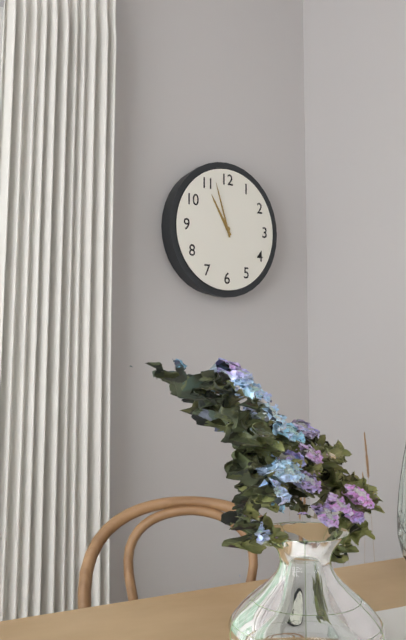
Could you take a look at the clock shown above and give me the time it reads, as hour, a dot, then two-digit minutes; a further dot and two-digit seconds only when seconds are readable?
10.57
